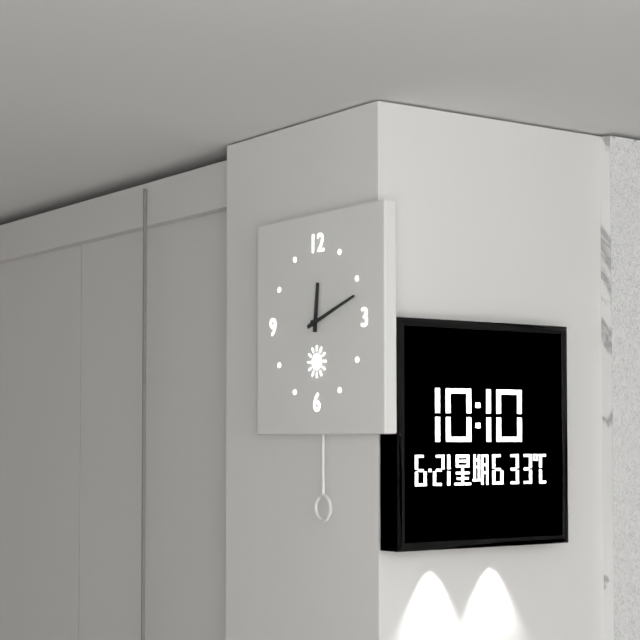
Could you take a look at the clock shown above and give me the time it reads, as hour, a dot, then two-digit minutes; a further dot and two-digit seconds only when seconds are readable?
12.12
